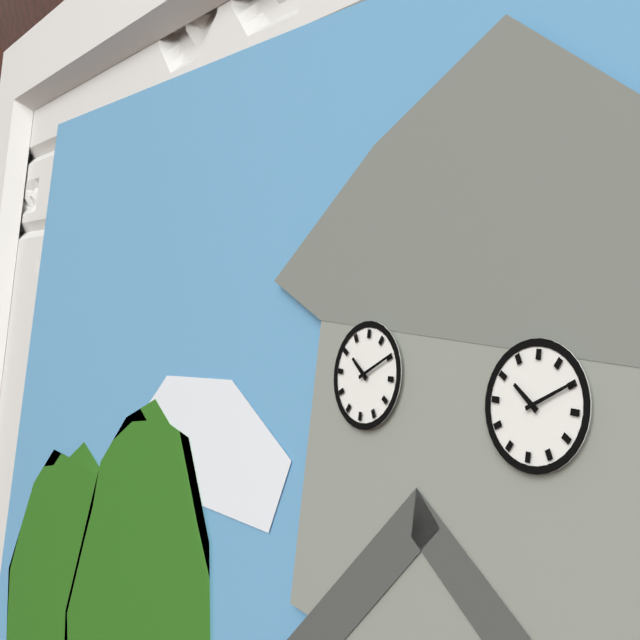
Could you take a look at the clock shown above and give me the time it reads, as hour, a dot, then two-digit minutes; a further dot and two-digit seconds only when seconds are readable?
10.10
